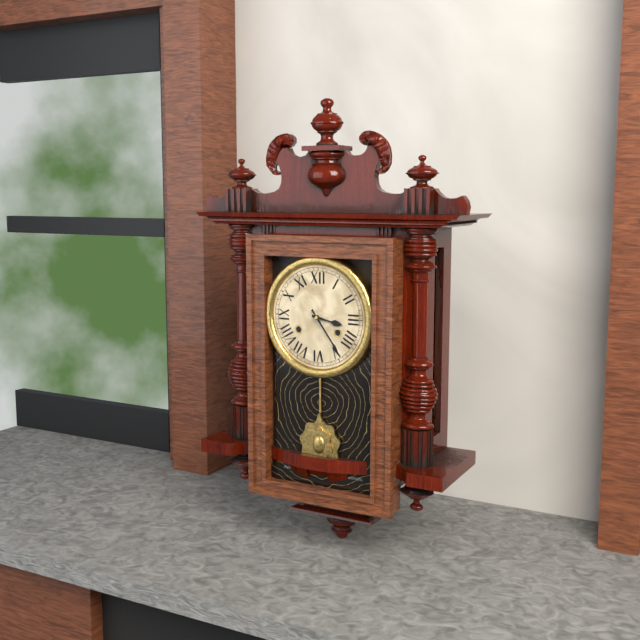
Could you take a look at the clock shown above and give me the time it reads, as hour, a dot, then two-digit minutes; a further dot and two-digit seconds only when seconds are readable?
3.24
